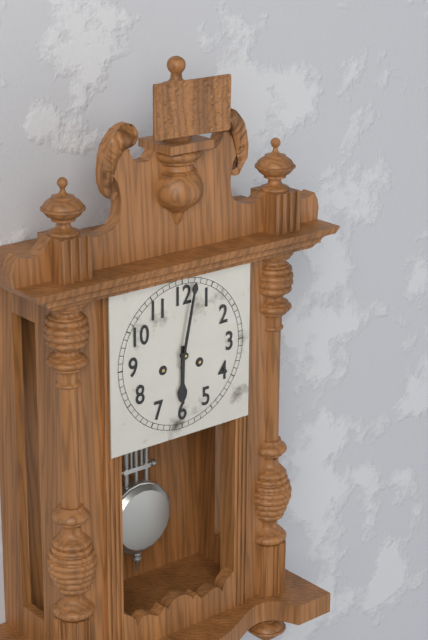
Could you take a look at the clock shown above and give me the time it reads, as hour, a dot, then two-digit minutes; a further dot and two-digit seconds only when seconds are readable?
6.02
